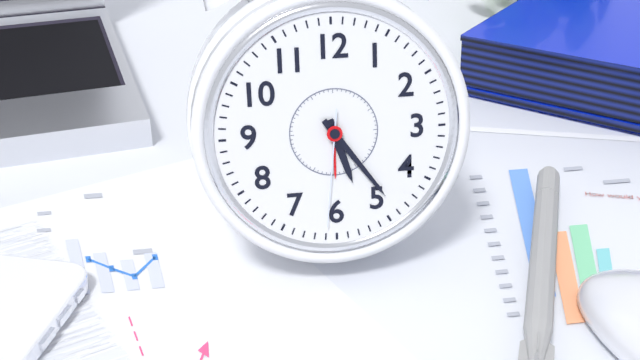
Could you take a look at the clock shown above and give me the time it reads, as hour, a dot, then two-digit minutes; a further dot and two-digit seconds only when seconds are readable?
5.24.31
